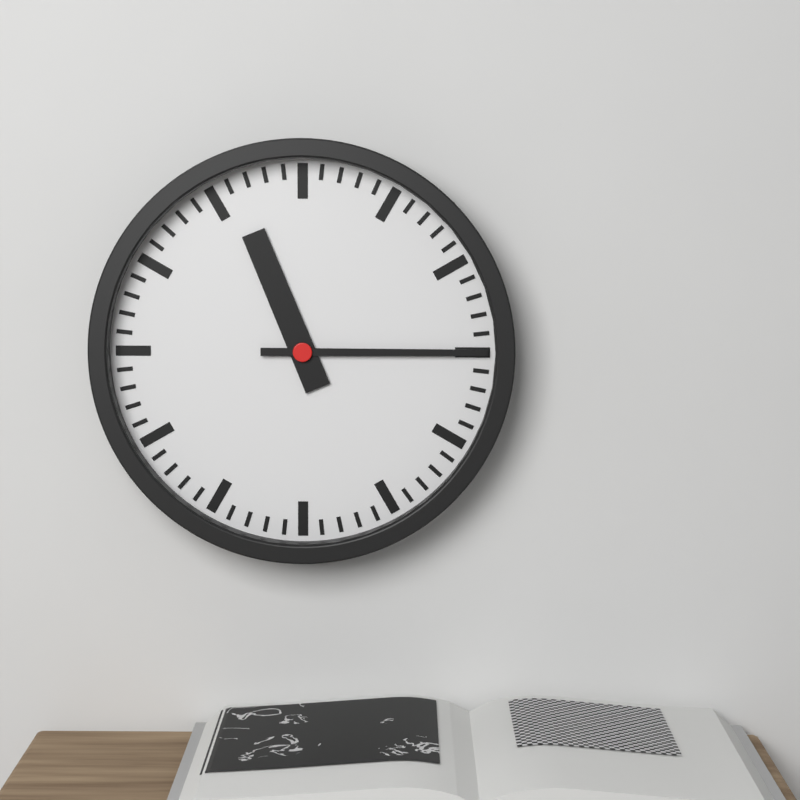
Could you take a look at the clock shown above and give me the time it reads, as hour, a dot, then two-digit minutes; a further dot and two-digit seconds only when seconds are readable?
11.15
